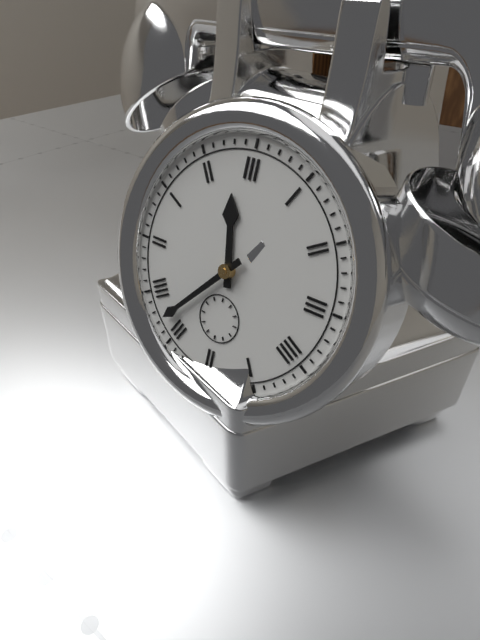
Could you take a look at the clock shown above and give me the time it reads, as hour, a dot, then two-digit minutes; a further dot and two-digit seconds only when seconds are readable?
11.37
